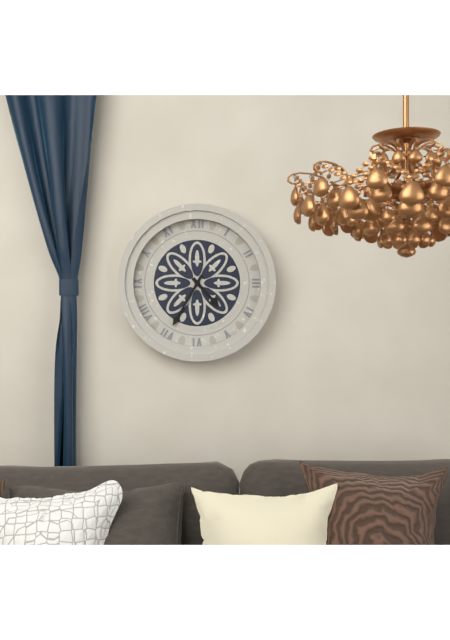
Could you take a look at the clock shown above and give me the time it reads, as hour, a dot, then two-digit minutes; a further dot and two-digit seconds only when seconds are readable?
4.35
